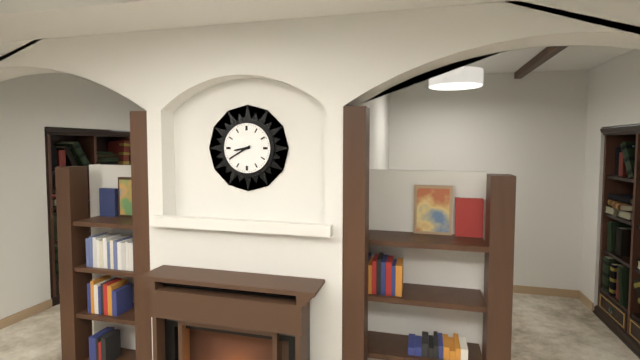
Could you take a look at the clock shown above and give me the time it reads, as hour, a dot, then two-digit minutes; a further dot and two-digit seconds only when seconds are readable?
8.40
